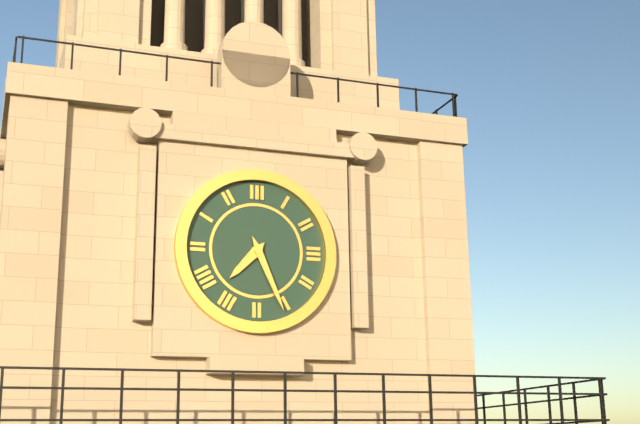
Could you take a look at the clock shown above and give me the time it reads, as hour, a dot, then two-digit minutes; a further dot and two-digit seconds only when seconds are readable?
7.26
